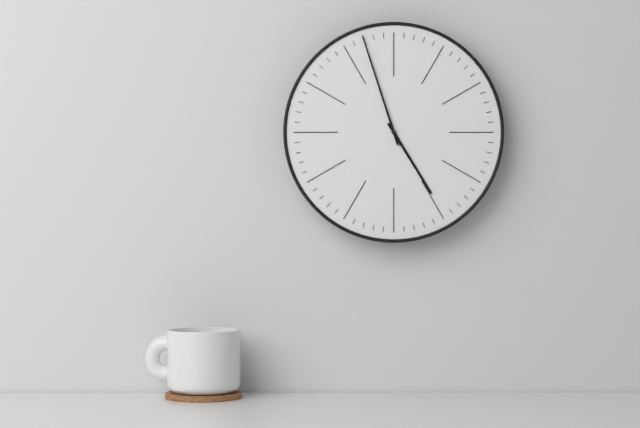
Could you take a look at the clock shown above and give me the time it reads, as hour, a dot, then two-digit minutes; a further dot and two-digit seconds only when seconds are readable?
4.57
